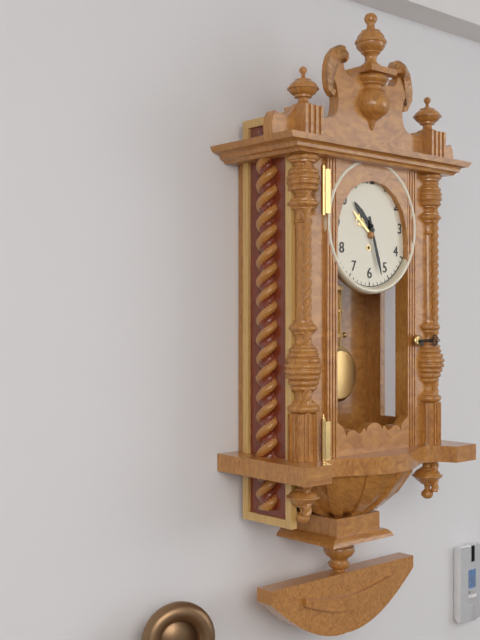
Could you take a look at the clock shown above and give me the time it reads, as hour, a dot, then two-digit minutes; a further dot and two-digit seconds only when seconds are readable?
10.27
